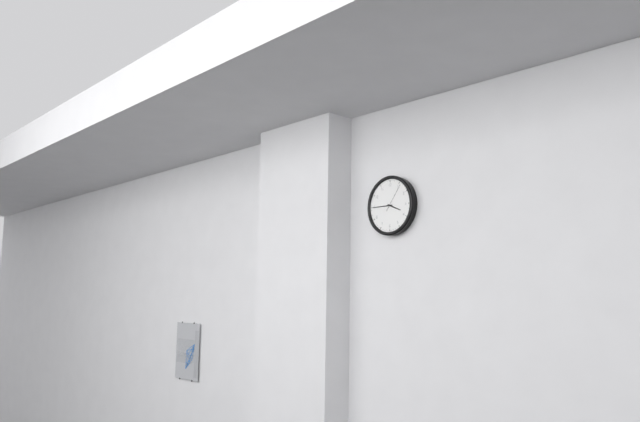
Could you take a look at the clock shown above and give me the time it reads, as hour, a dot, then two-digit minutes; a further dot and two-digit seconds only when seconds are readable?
3.45
